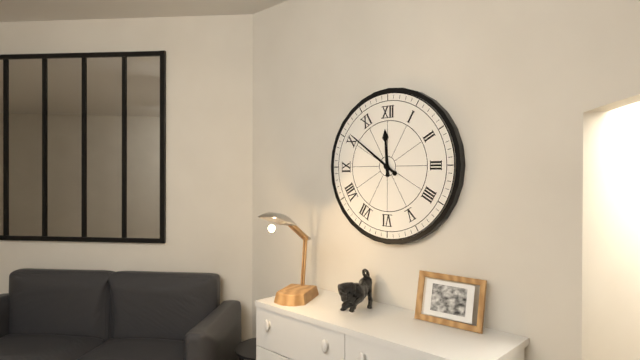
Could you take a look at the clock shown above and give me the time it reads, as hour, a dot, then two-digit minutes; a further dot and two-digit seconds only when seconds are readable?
11.51
